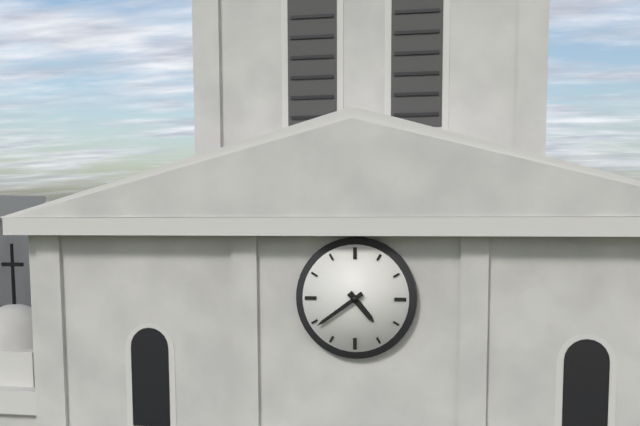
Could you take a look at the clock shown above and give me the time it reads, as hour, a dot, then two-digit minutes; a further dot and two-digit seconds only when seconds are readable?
4.39
